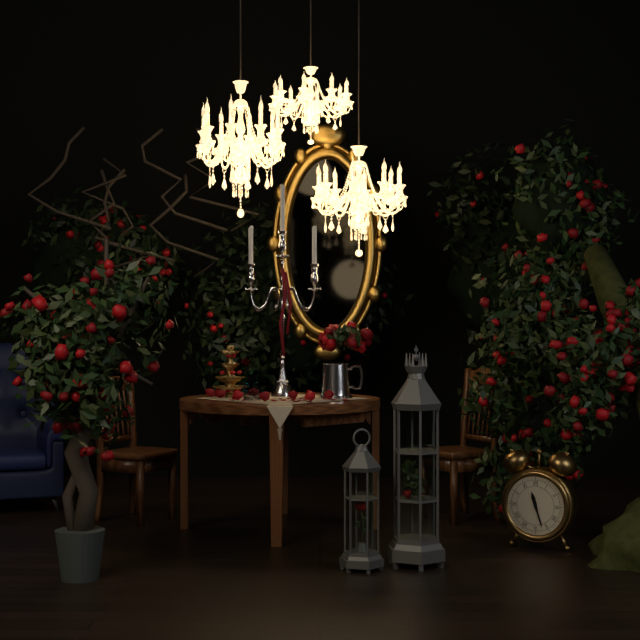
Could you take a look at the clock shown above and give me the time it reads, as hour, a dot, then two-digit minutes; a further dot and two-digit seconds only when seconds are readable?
11.27
